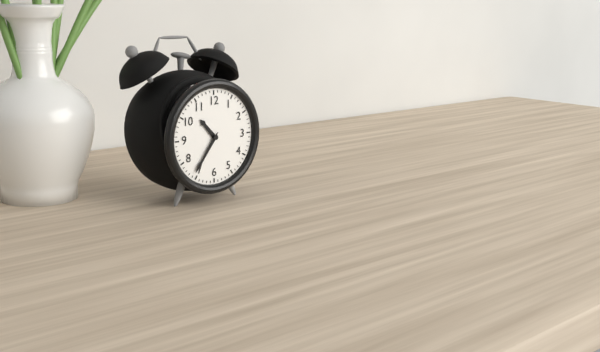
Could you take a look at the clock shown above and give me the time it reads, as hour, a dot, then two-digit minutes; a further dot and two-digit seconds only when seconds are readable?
10.36
